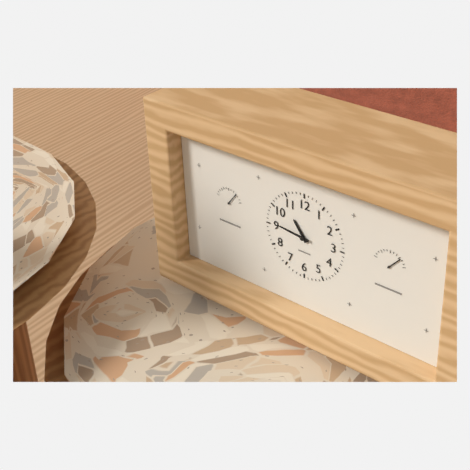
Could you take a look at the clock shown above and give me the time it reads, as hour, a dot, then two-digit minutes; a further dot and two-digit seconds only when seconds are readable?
10.46
